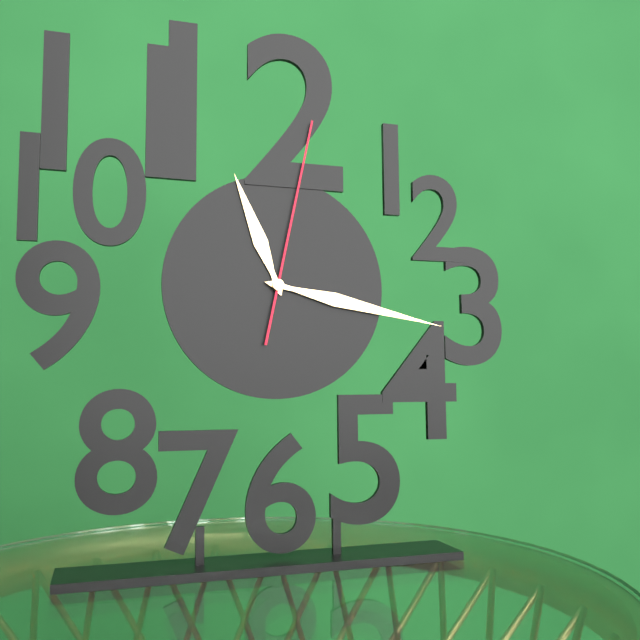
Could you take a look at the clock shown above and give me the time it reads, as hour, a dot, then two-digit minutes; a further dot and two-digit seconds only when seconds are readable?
11.17.02
